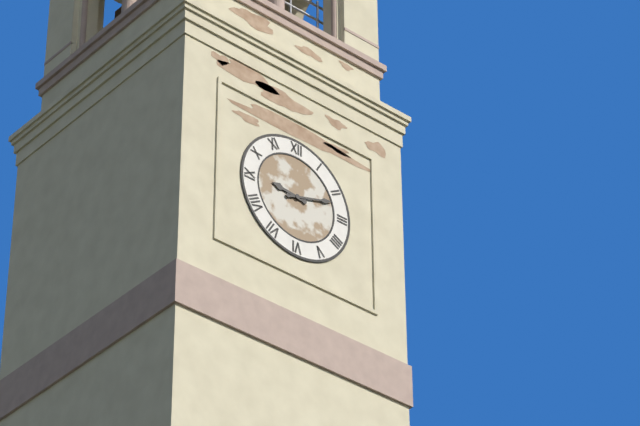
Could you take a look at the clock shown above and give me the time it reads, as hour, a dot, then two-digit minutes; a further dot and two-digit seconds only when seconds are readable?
9.12
